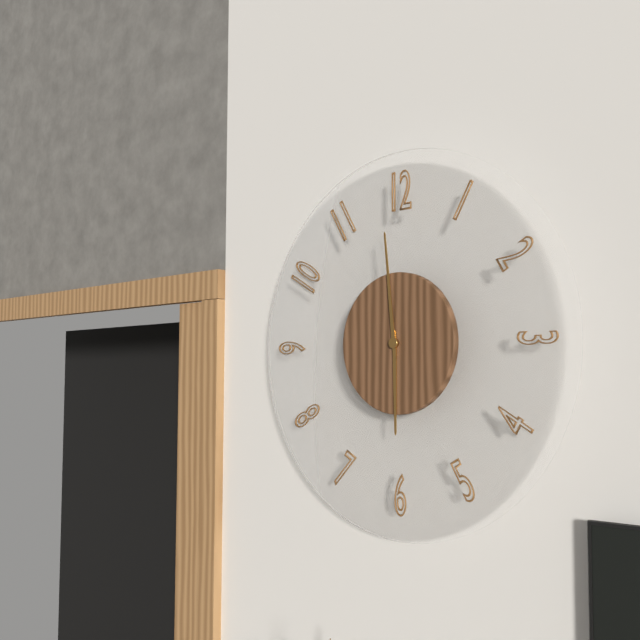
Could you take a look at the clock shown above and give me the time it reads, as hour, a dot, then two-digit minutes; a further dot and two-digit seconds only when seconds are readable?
5.59
